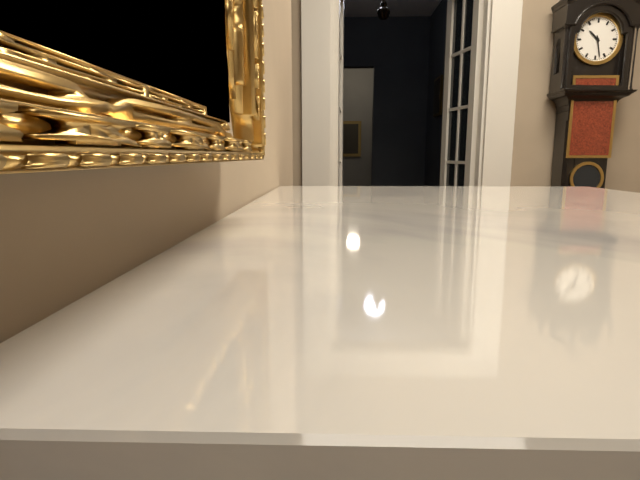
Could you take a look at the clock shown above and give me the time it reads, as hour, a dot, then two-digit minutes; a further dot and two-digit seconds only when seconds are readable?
10.28
